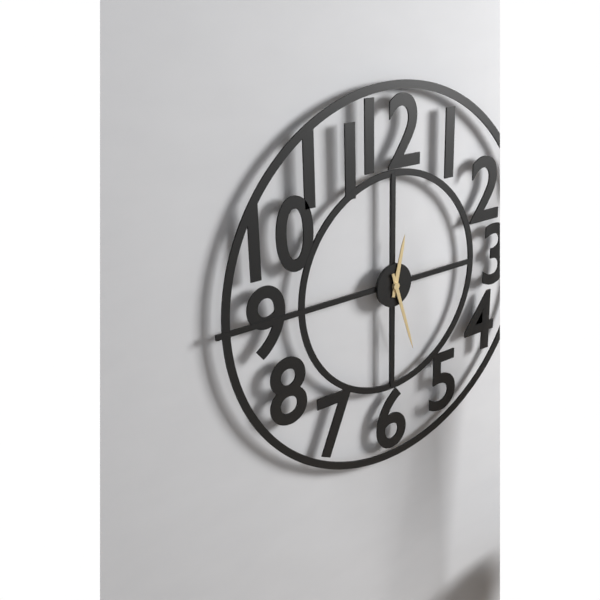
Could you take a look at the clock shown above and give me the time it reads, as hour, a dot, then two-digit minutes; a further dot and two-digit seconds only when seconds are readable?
12.27
